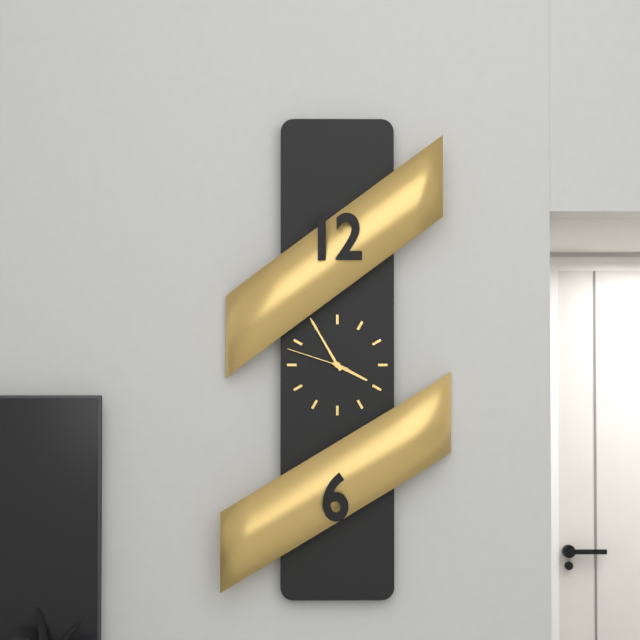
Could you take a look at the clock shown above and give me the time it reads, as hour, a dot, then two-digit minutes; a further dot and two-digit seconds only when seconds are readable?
3.55.48
